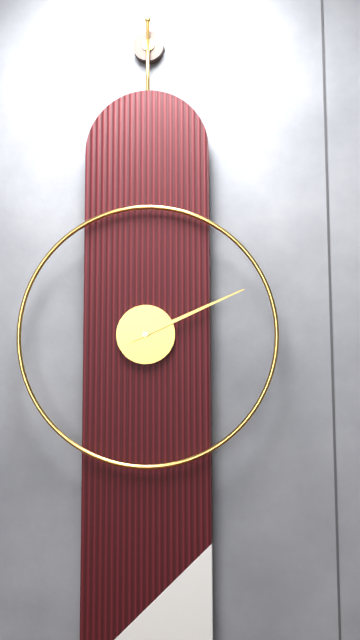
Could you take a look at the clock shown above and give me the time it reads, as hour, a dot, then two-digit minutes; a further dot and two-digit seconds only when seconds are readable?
2.11
